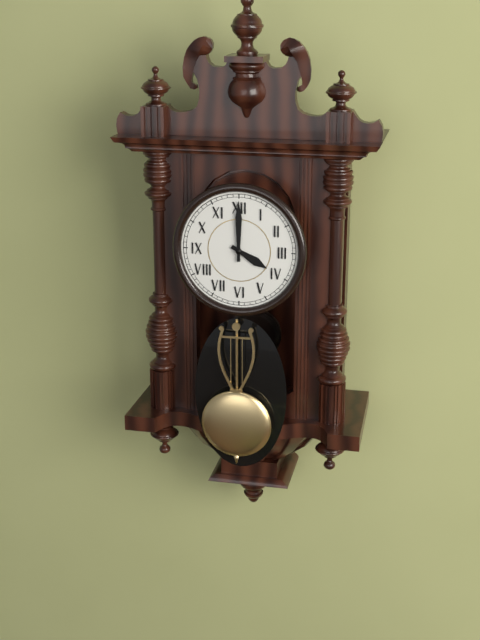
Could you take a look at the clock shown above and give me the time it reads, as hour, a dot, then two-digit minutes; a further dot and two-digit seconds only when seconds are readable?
4.00
